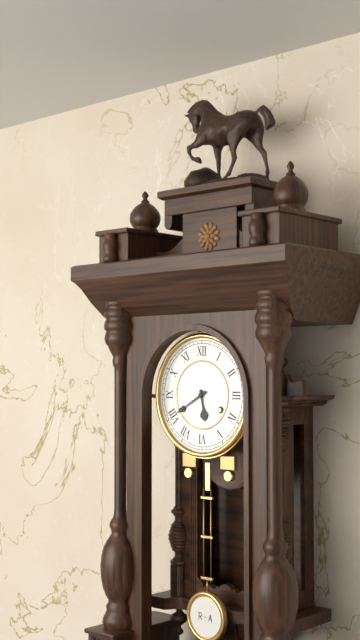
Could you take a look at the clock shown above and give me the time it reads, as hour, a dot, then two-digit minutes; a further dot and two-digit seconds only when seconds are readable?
5.40
